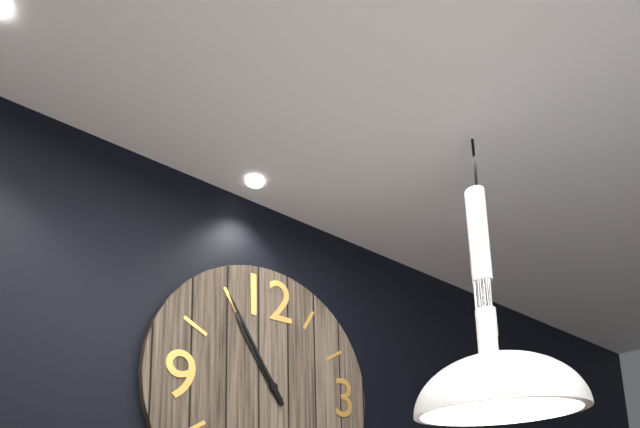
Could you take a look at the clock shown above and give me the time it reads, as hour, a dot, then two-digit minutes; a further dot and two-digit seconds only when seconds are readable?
10.55
